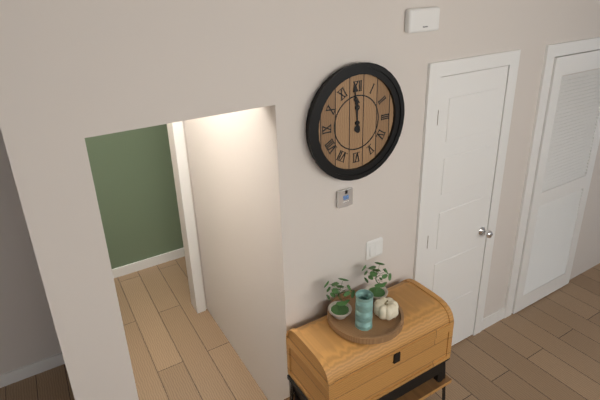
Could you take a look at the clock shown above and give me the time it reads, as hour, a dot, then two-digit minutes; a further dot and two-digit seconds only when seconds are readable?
11.59
